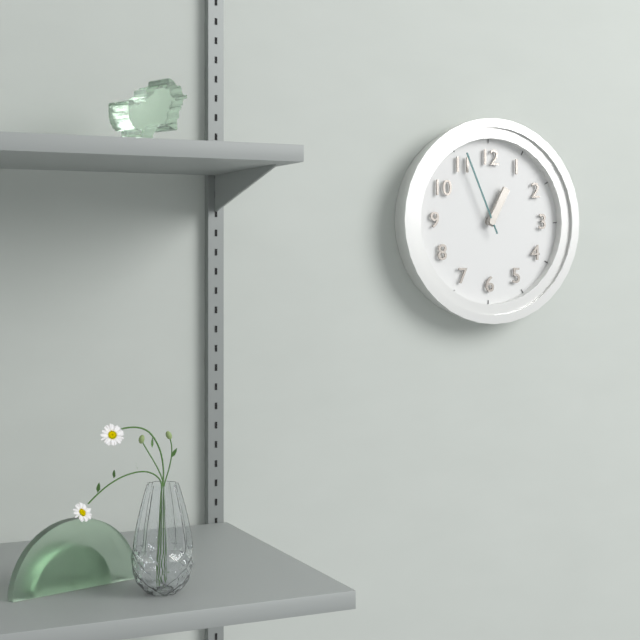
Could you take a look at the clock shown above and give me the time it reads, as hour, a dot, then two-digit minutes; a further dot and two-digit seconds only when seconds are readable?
12.56
